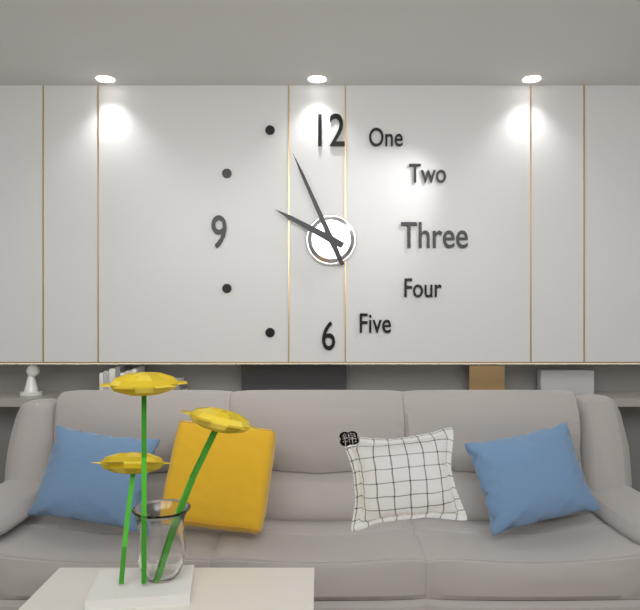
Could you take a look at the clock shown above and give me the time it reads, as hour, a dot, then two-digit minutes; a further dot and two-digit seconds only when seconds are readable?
9.56
